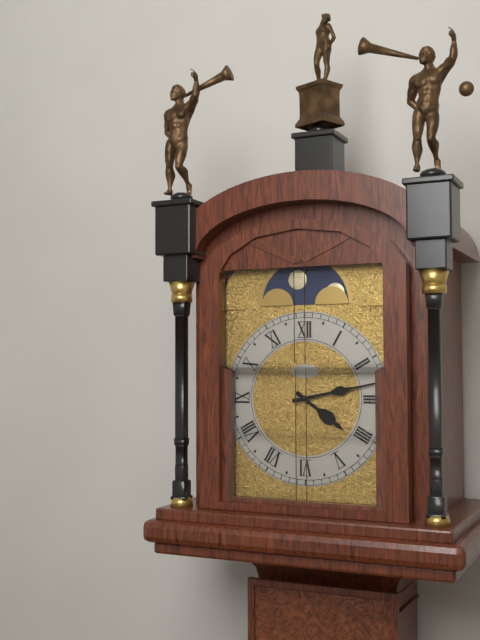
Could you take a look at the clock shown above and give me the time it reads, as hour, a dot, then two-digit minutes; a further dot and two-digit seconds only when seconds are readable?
4.13
